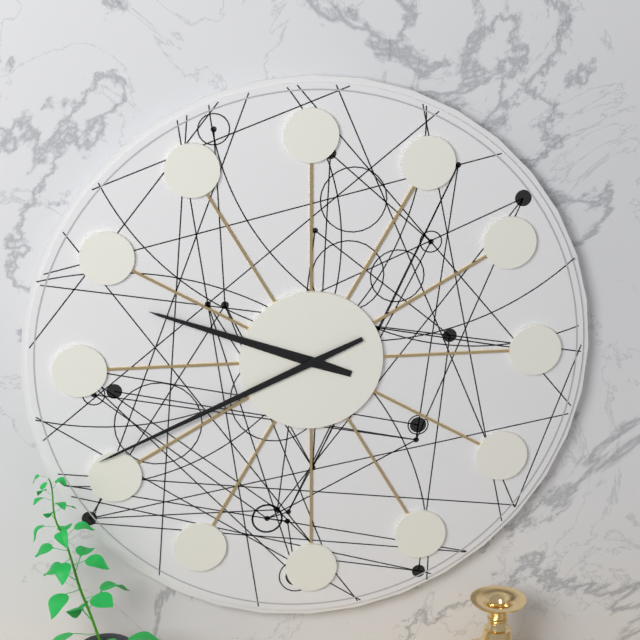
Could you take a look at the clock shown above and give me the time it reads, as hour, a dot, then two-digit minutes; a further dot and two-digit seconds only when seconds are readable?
9.41
